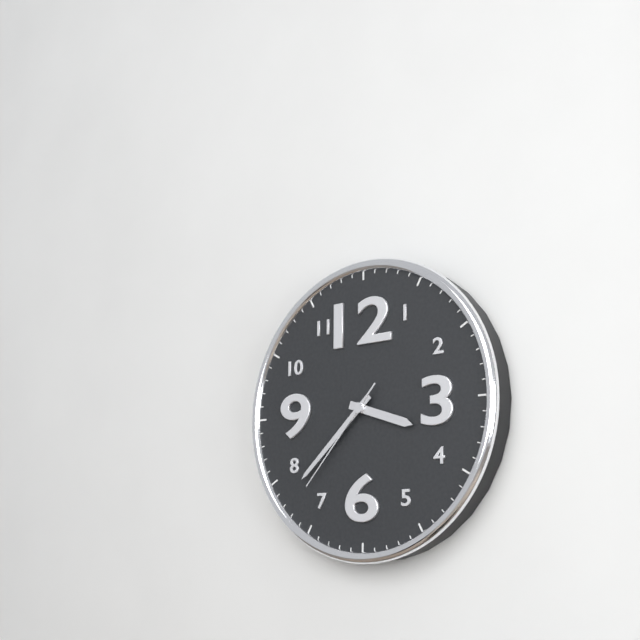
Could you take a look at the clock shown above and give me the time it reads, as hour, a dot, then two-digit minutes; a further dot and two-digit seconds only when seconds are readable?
3.38.37
